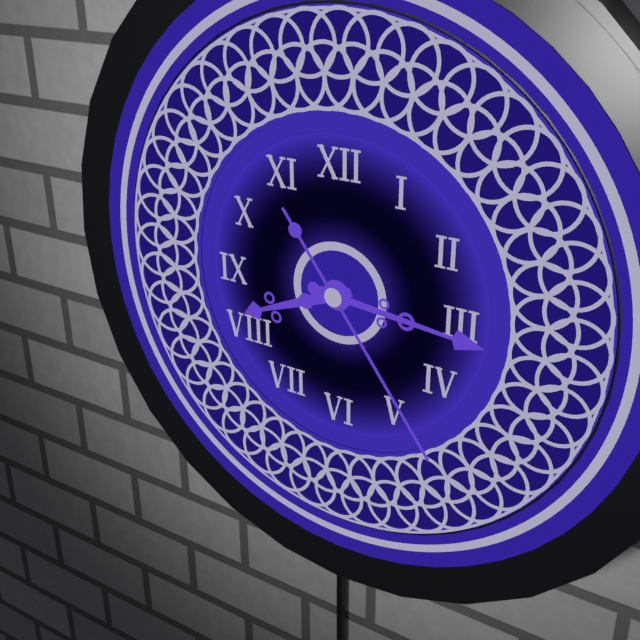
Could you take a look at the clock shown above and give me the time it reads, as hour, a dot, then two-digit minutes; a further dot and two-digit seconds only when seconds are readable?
8.16.24
